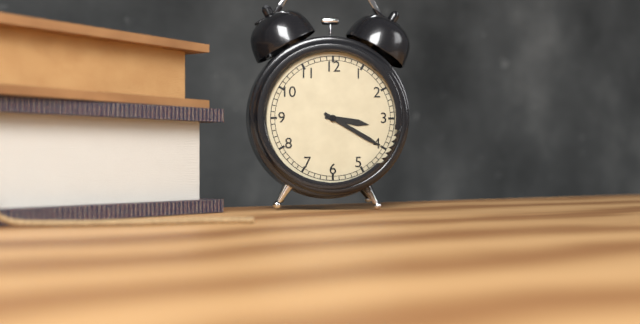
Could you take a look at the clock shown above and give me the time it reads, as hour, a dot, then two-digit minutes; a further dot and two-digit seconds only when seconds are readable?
3.20
